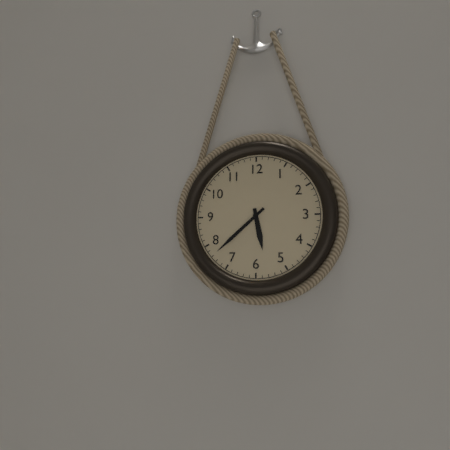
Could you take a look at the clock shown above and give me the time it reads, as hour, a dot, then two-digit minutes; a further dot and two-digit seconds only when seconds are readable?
5.38
